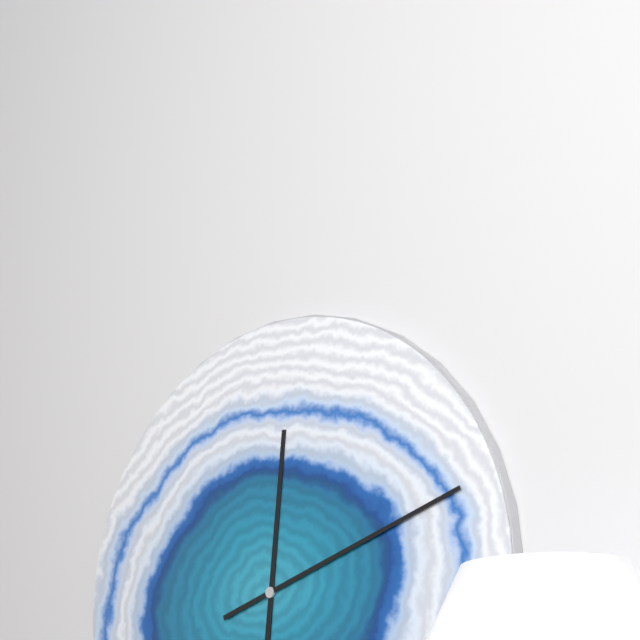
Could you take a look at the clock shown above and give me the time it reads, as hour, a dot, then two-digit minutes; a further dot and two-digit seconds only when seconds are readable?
12.12
